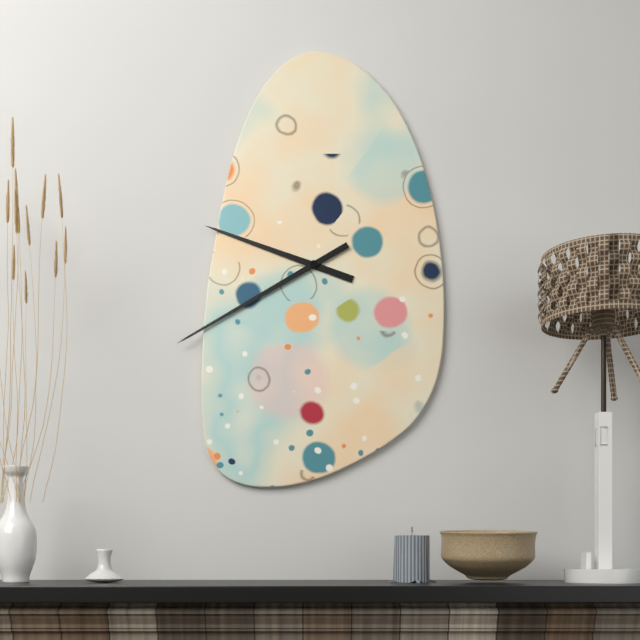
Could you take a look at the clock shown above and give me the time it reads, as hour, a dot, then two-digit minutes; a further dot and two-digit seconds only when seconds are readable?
9.40
